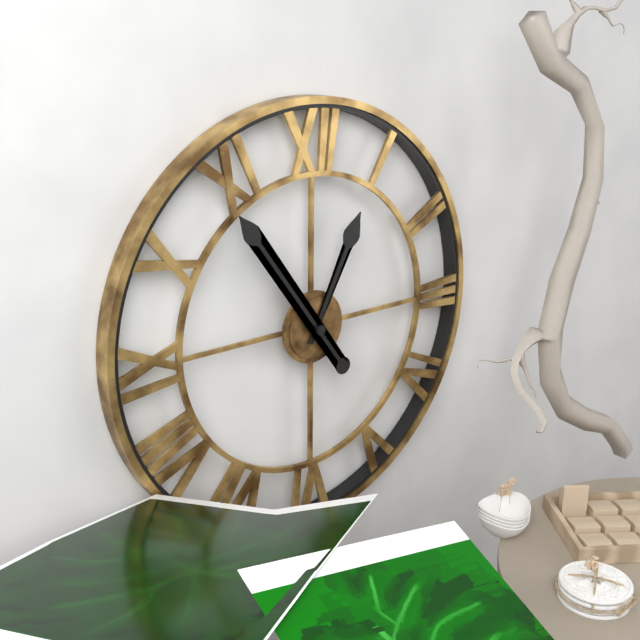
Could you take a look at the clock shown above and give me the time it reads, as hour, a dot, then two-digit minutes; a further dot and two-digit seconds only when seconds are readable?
12.54
